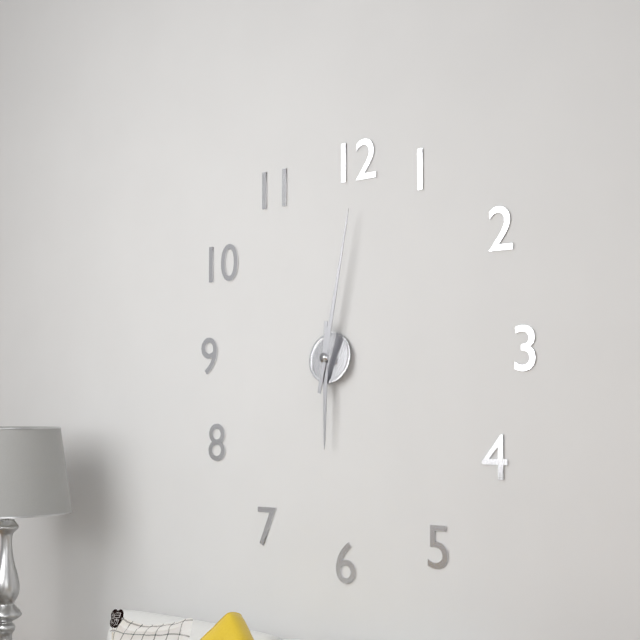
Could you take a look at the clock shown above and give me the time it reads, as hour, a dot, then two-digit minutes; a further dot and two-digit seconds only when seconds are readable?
6.02
